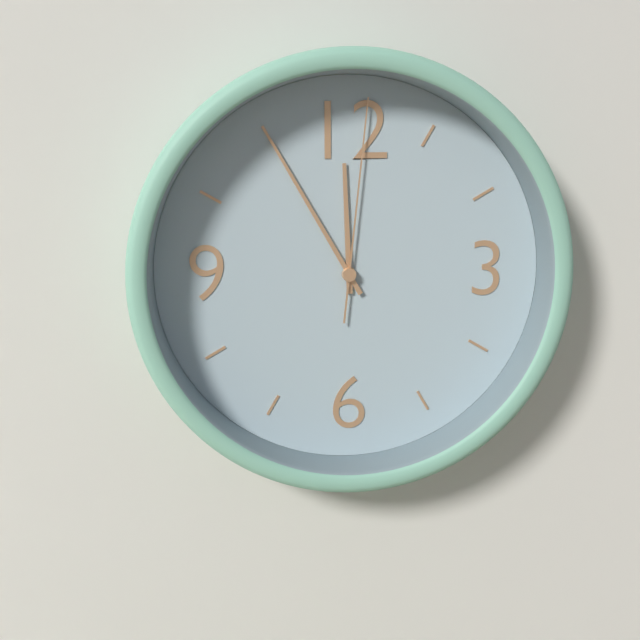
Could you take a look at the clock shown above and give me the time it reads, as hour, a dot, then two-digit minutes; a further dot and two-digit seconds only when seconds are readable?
11.55.01
